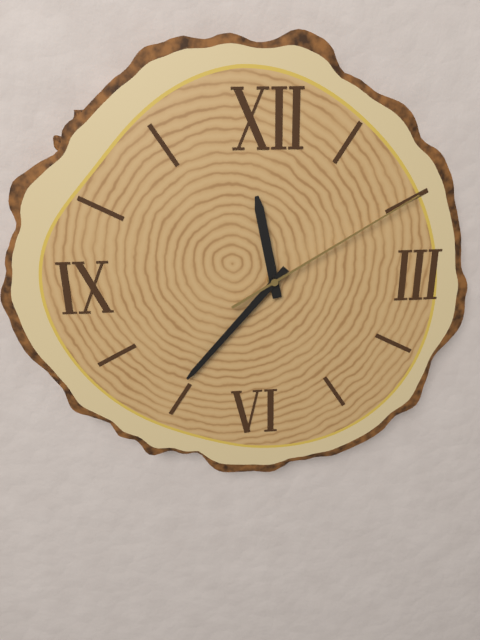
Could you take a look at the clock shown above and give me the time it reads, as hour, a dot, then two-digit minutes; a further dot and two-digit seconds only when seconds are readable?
11.37.10
